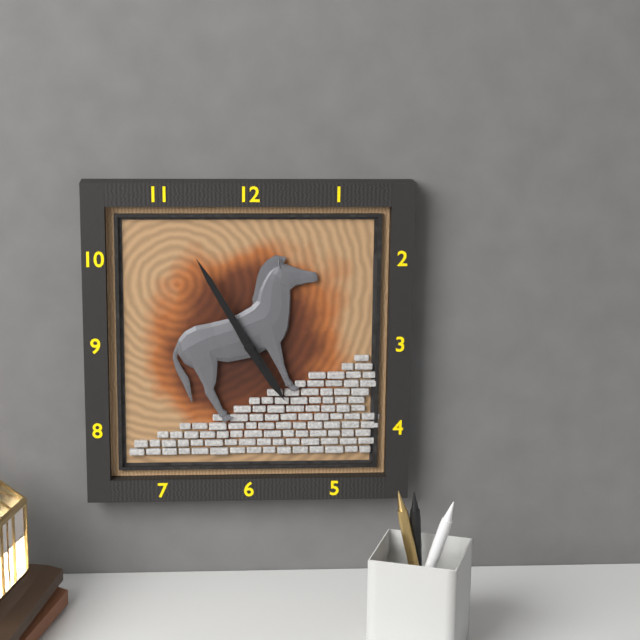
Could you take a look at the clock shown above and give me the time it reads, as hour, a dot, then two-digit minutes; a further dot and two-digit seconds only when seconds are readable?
4.55
